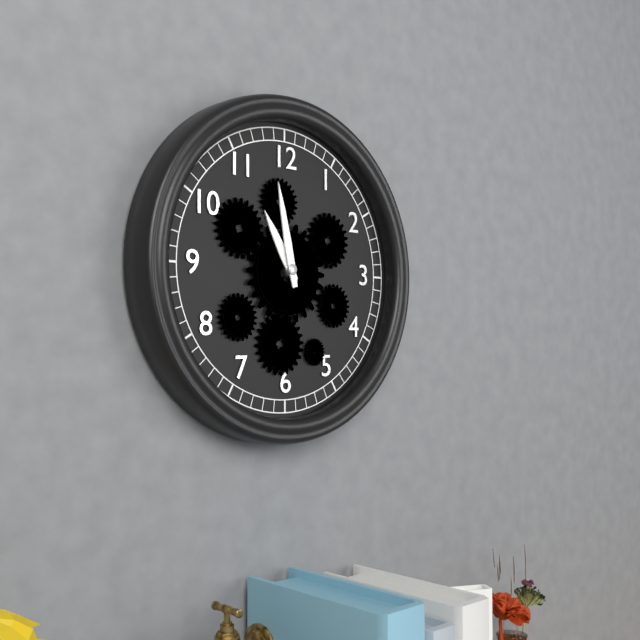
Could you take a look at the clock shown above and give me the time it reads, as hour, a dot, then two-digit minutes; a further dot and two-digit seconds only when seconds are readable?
10.58
